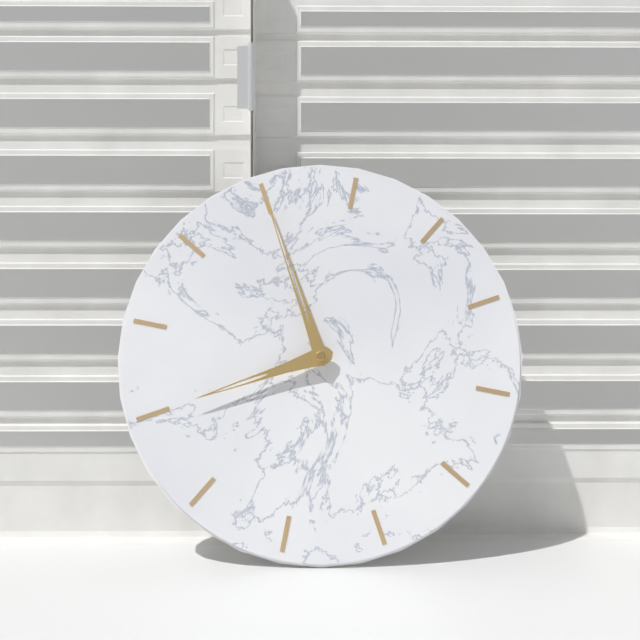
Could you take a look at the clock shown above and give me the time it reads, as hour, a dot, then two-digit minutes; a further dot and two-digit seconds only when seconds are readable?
9.00
